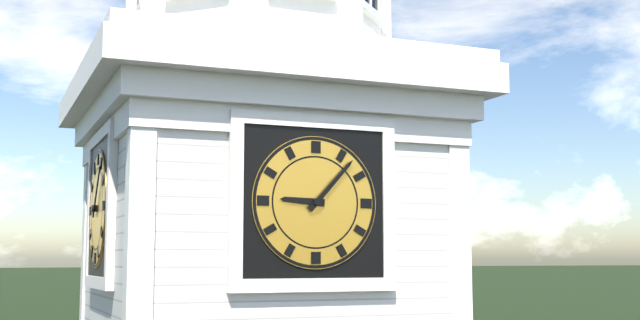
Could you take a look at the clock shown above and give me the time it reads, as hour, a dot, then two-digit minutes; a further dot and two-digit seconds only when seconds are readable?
9.07
